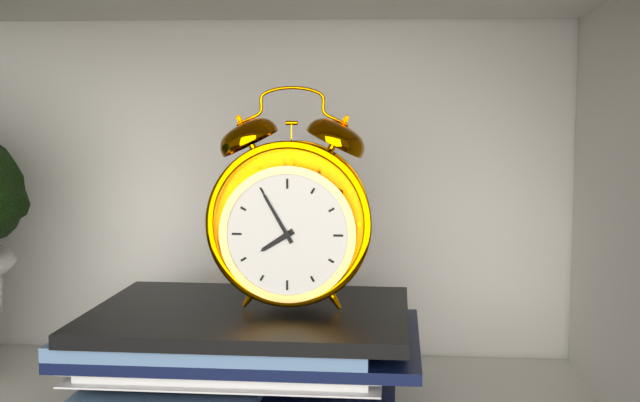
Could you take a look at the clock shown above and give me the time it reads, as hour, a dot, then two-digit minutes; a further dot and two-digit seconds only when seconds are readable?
7.55
